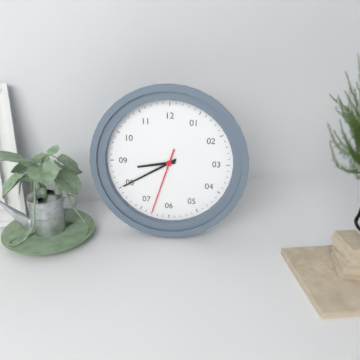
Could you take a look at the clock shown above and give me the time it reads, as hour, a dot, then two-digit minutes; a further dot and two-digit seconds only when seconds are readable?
8.40.33
